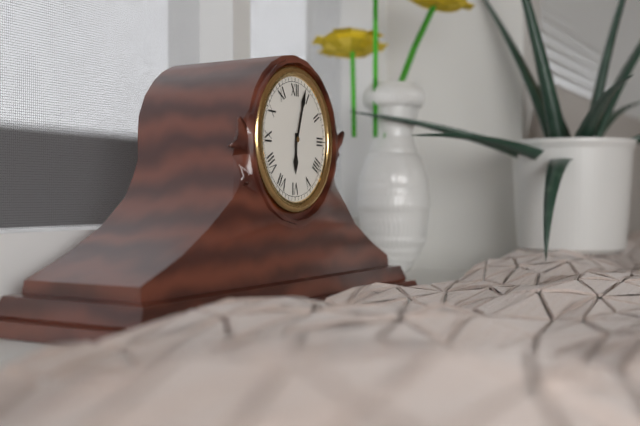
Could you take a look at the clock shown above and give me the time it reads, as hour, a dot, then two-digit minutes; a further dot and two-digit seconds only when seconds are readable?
6.03
